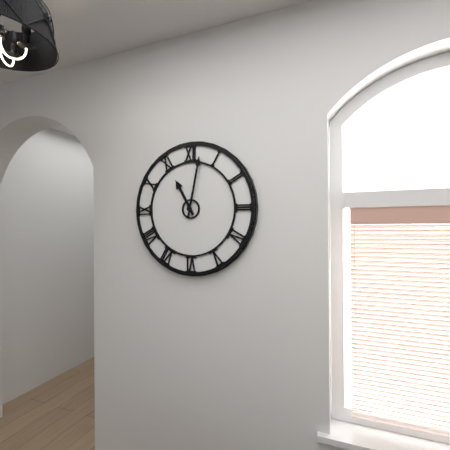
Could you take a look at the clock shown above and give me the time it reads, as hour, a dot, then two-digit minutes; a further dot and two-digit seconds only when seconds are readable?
11.02
